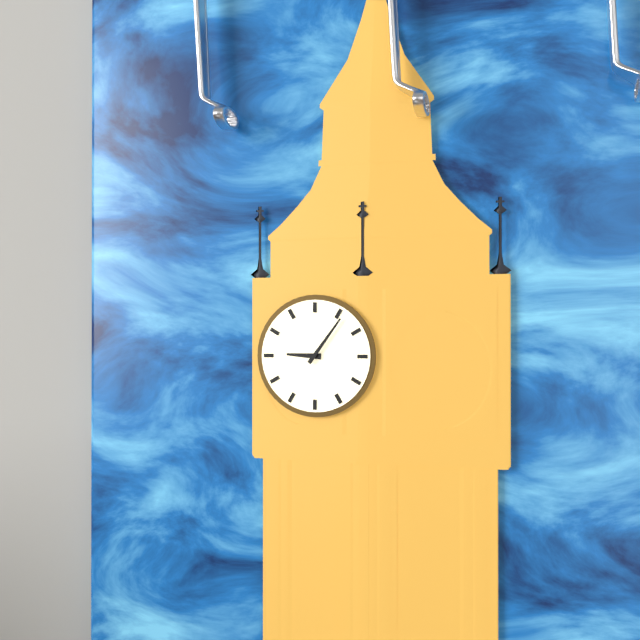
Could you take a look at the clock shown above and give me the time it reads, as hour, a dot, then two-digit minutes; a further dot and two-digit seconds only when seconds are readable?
9.06
